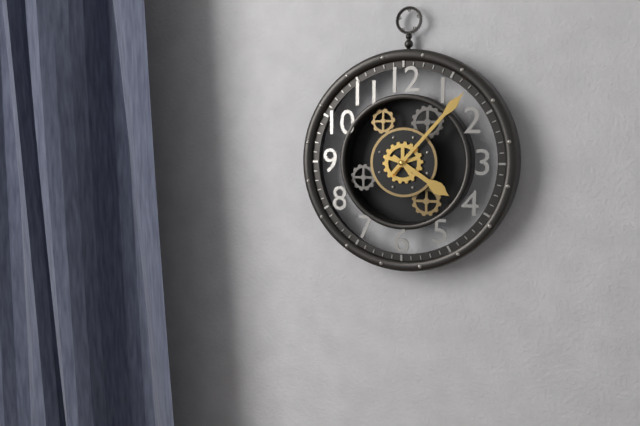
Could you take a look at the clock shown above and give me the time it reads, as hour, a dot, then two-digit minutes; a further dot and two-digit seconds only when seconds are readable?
4.07
